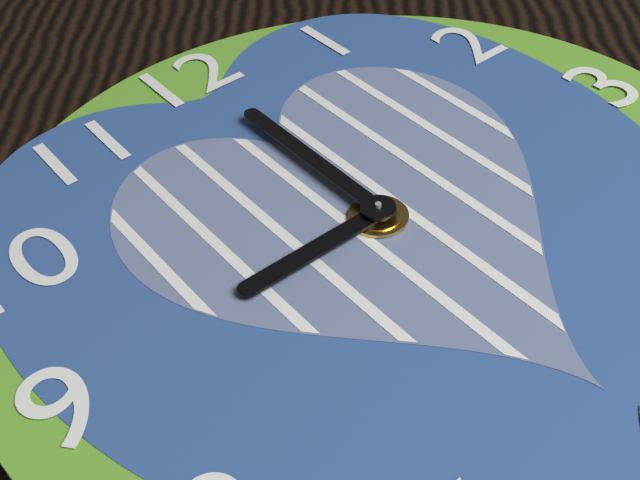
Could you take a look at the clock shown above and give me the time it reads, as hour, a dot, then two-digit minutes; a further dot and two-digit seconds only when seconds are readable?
9.00
